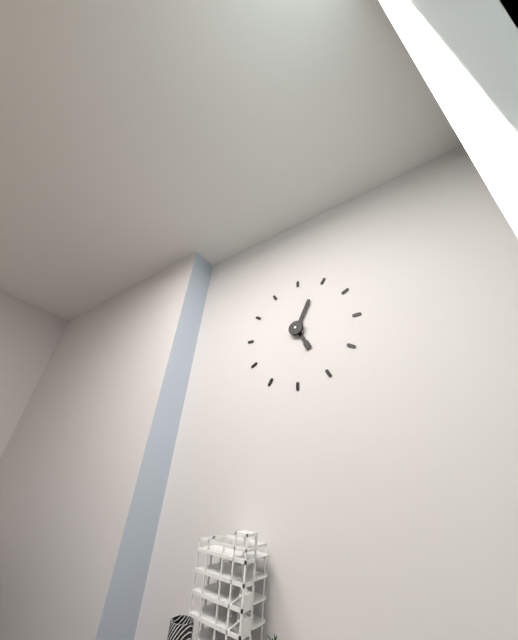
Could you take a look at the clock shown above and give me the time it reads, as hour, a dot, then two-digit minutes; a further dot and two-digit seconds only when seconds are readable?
5.04
